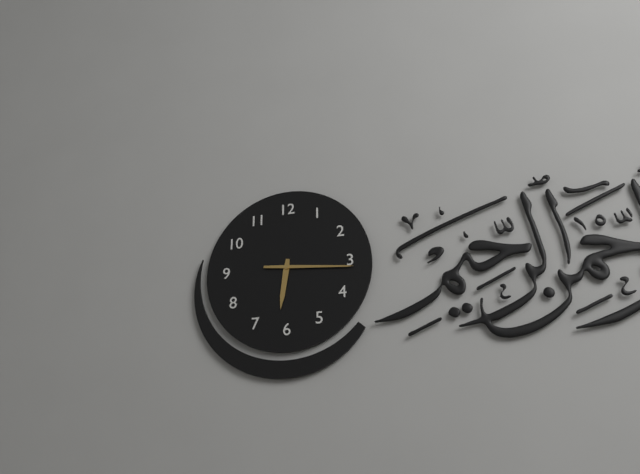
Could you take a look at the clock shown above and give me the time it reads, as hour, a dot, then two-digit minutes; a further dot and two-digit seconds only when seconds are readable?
6.16
